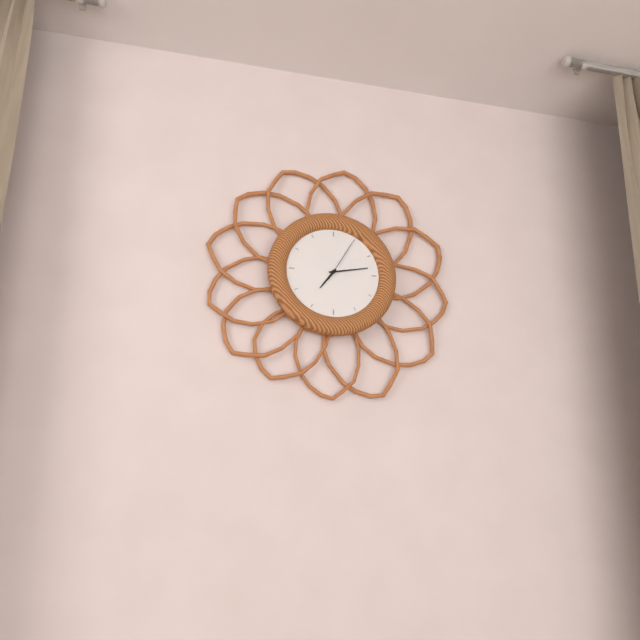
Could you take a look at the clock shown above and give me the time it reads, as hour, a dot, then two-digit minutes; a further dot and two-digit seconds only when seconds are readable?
7.13.05
